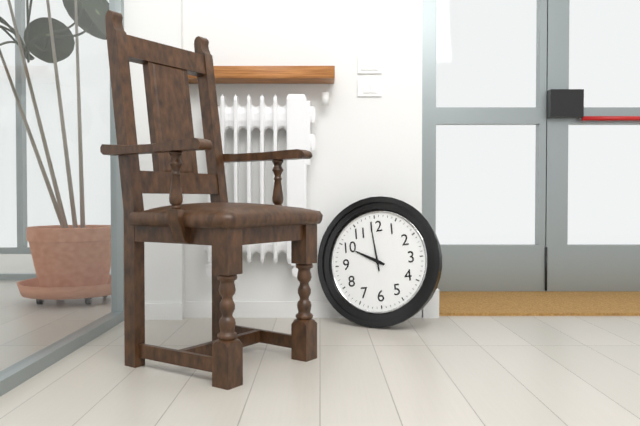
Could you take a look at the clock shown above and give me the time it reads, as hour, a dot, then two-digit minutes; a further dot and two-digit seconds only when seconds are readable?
9.59
